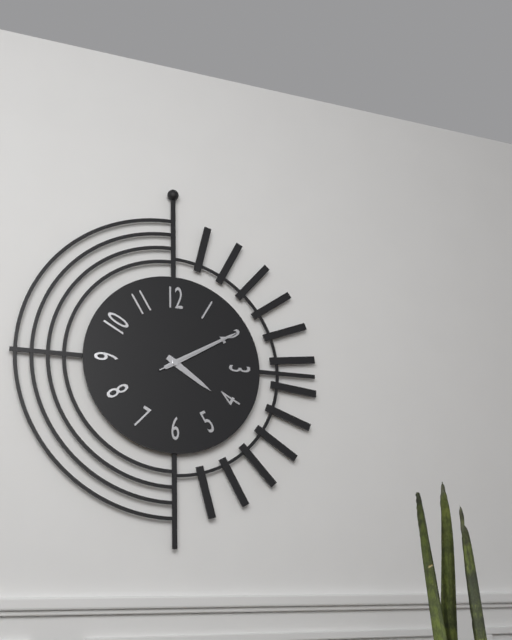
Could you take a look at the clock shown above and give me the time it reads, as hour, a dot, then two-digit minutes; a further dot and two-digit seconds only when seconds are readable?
4.10.10
